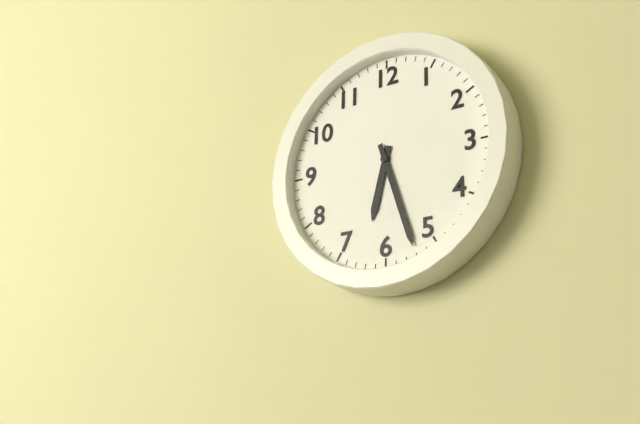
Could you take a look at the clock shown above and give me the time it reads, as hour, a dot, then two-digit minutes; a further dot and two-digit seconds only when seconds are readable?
6.27
